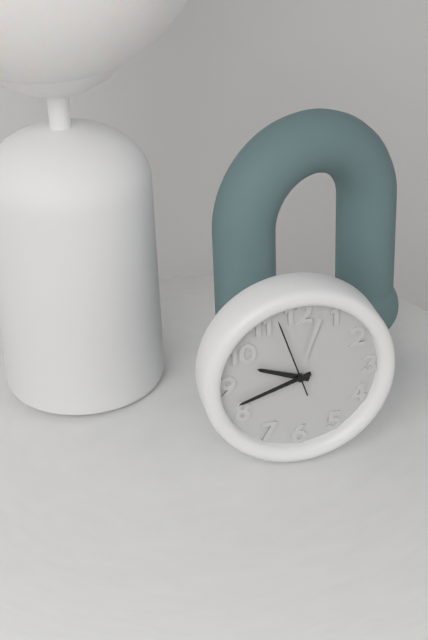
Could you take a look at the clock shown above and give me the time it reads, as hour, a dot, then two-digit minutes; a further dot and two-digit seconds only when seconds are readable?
9.42.57
